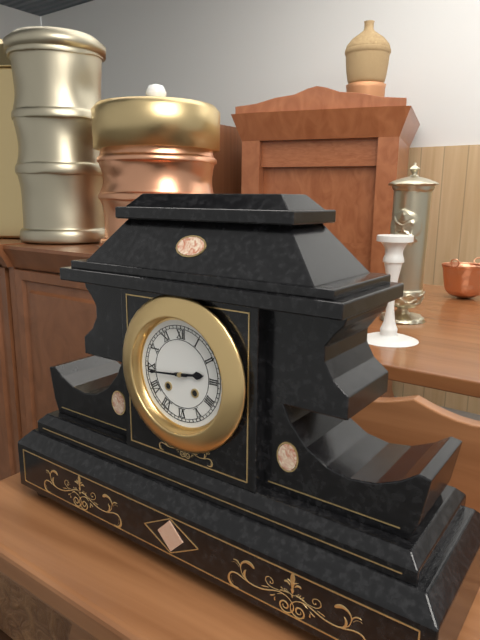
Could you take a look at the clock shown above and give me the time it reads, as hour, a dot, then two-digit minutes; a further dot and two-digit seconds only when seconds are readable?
2.44
